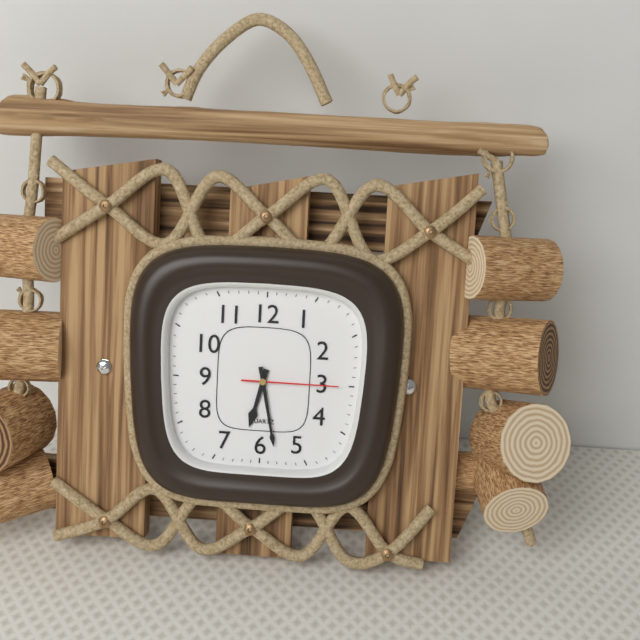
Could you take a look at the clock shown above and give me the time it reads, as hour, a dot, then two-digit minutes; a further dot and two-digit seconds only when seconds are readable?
6.28.15
